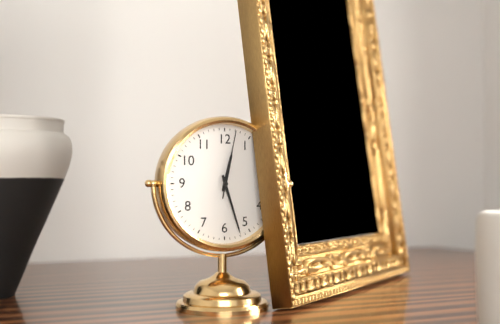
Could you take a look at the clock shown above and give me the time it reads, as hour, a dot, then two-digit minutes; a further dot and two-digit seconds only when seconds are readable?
12.27.02
